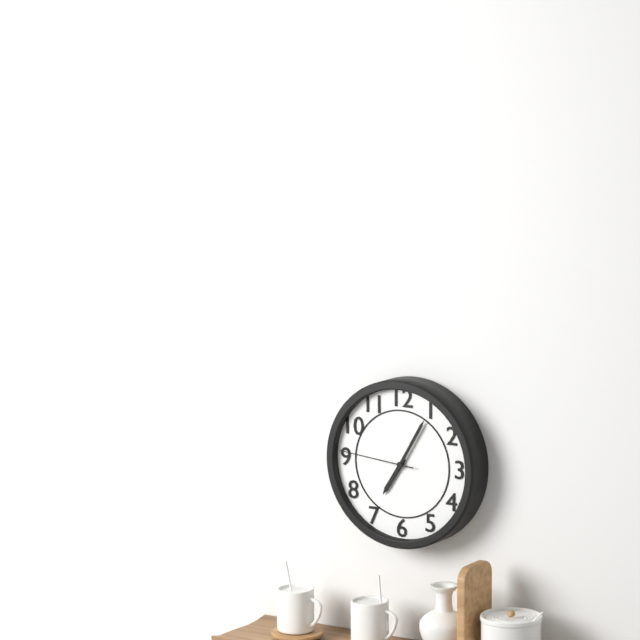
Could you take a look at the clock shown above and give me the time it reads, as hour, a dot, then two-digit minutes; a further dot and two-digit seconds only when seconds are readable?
7.05.46
